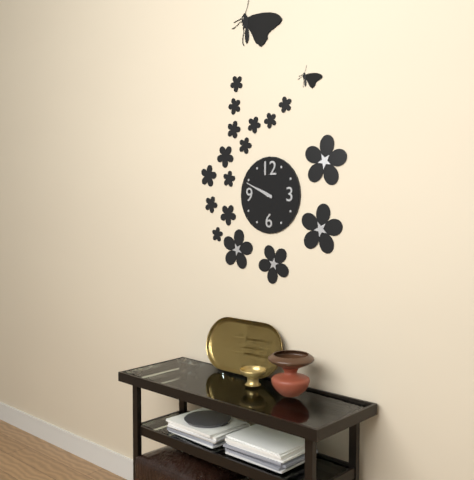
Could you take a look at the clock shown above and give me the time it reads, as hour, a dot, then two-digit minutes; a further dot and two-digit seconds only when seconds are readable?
9.49
